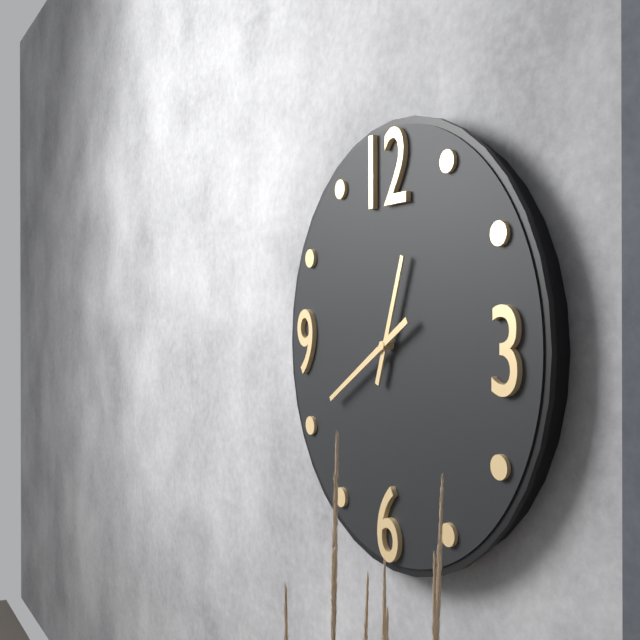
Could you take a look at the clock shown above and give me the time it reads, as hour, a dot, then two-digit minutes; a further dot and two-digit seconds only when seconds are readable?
12.40
